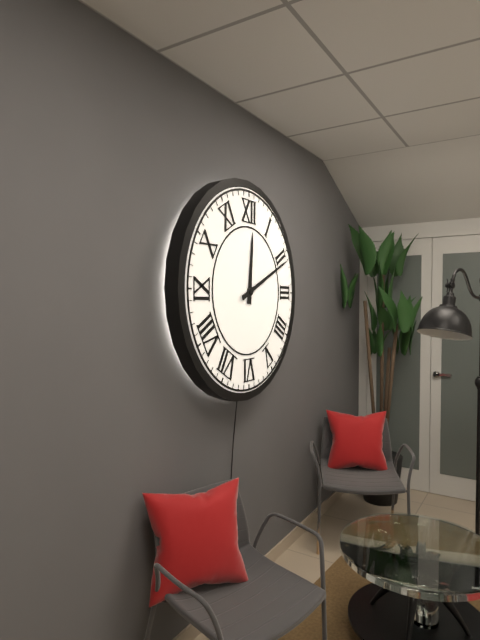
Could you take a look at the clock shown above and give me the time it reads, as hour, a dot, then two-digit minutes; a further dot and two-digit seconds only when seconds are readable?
12.11
